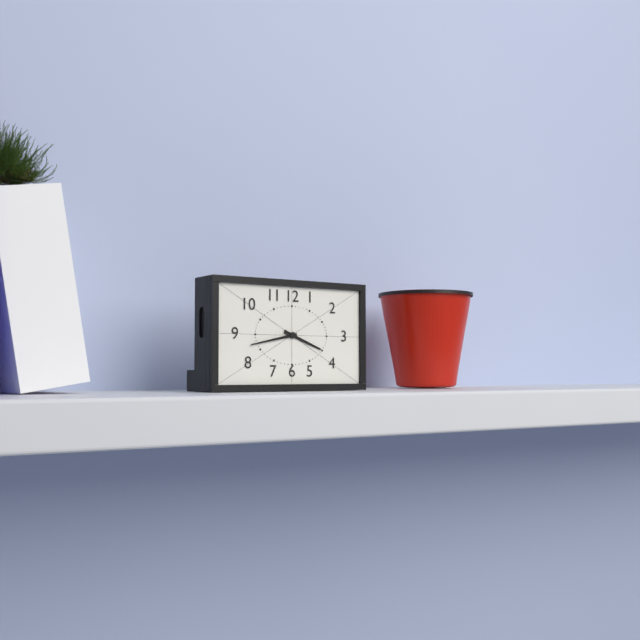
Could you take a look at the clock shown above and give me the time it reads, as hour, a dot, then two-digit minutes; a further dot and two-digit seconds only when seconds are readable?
3.43
